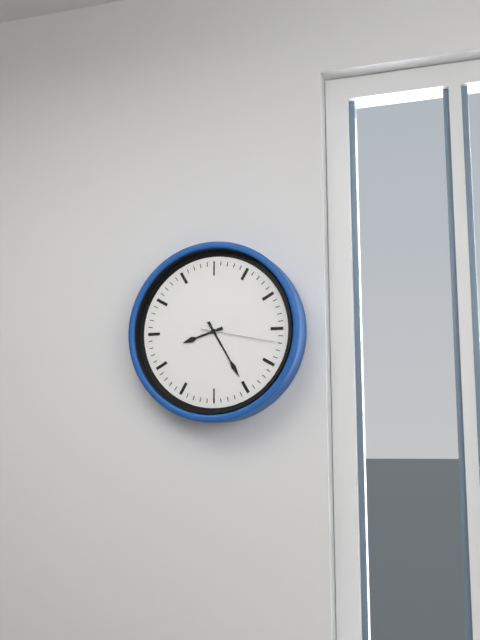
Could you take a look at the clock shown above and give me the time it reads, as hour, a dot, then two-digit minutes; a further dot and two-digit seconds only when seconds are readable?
8.25.17
